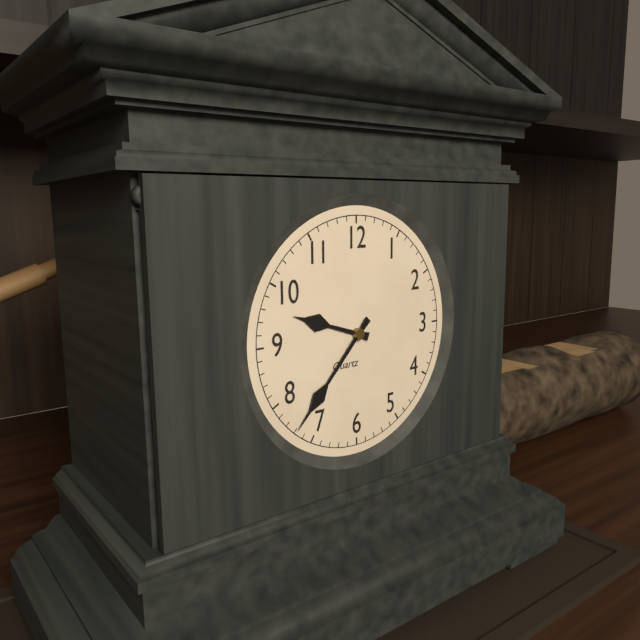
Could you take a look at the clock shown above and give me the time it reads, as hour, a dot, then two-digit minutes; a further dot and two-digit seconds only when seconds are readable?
9.37
